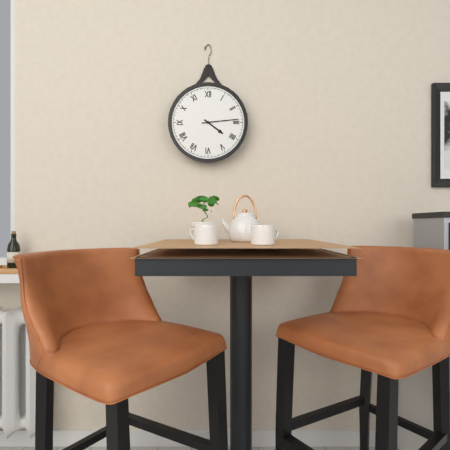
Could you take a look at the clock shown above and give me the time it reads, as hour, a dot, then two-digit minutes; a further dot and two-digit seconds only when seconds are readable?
4.14
